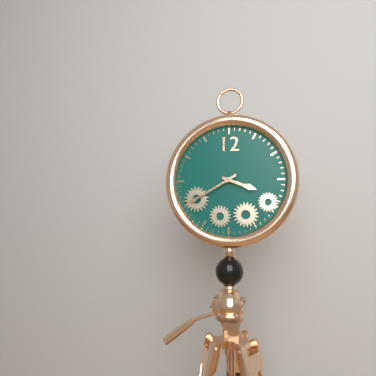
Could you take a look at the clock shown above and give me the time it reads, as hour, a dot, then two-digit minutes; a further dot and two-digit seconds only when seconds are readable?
3.40
